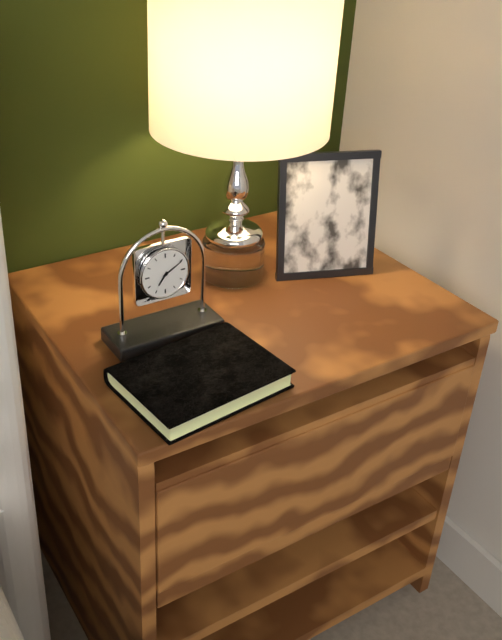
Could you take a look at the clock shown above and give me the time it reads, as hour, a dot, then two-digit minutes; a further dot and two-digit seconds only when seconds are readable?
7.10
